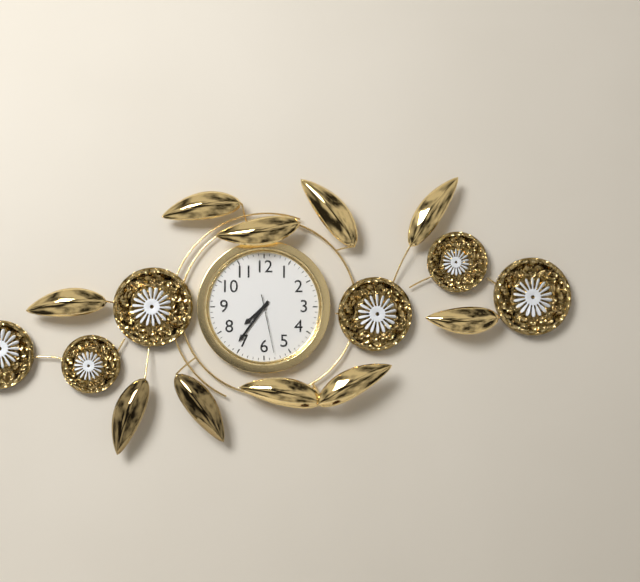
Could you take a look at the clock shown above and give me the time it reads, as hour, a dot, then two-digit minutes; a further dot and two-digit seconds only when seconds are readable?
7.36.28
